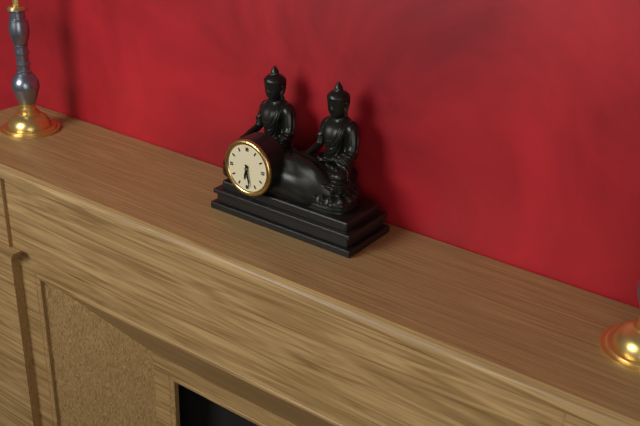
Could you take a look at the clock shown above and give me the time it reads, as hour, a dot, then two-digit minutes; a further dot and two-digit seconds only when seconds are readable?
6.28
